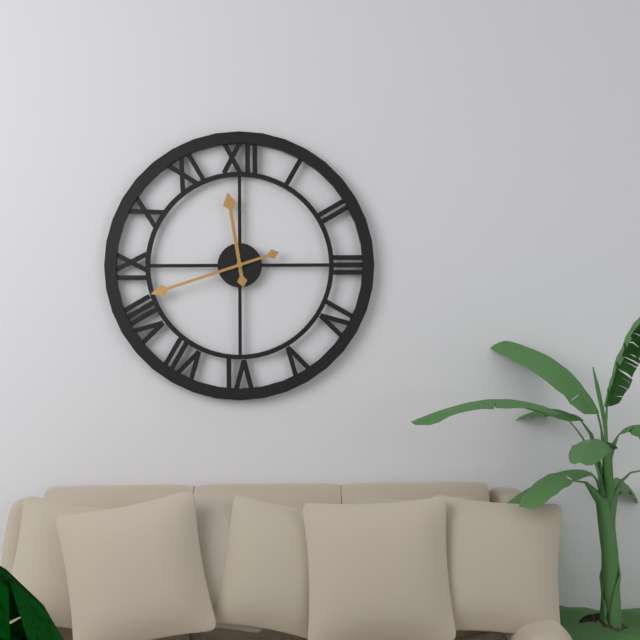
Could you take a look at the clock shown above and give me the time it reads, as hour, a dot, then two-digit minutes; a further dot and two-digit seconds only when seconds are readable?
11.42
